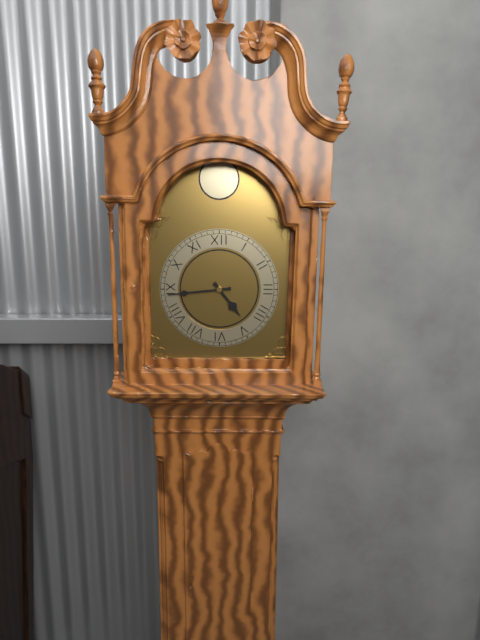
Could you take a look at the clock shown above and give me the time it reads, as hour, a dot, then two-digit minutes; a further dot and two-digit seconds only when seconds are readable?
4.44
